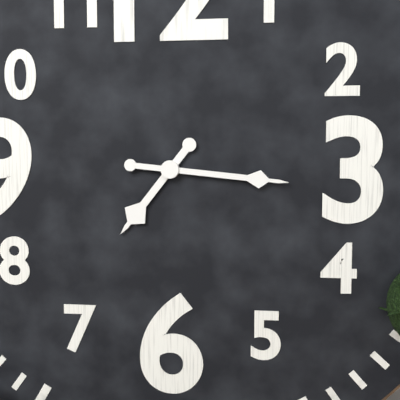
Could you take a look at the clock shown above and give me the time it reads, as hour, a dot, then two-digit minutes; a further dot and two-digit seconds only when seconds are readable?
7.16
